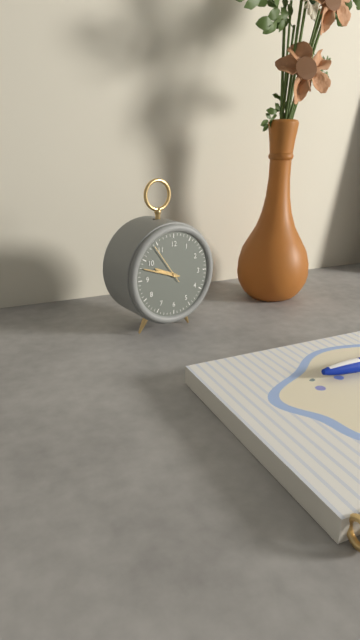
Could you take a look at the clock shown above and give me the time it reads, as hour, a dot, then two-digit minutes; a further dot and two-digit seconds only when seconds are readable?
9.48
